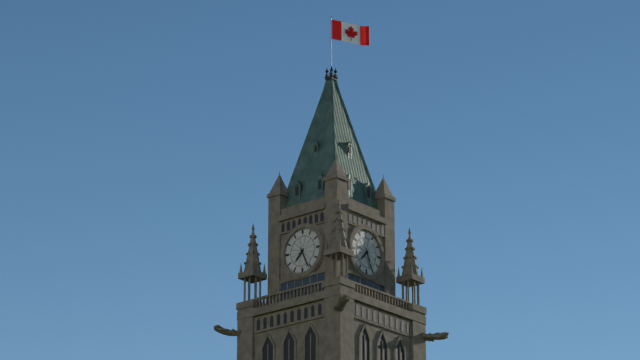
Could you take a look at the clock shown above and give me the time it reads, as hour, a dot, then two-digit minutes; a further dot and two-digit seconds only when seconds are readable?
7.26
